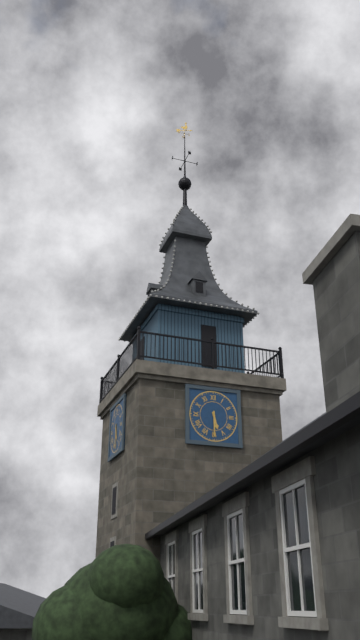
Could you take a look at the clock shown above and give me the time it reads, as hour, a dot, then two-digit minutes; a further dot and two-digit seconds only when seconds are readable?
5.30
